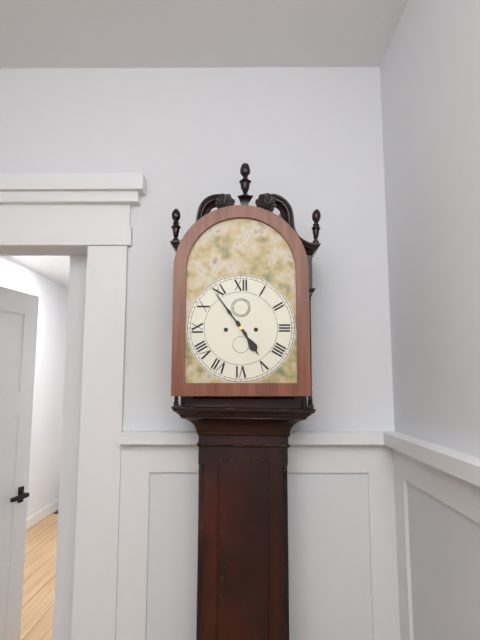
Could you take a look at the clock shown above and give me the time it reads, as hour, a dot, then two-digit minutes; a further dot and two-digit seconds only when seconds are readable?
4.54
